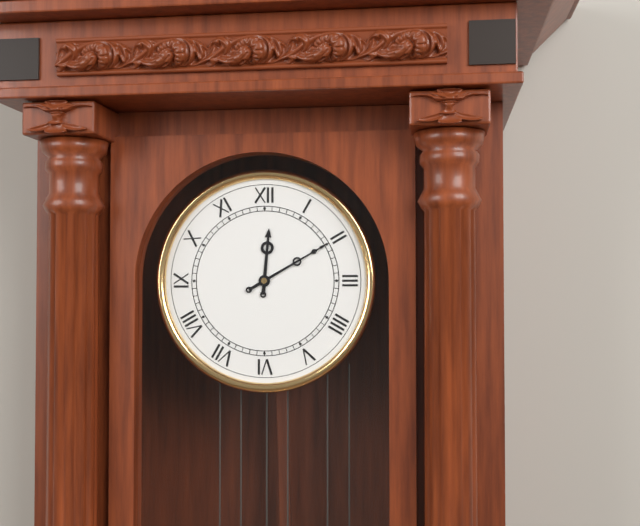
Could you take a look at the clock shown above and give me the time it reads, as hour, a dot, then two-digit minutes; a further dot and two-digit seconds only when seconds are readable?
12.10
